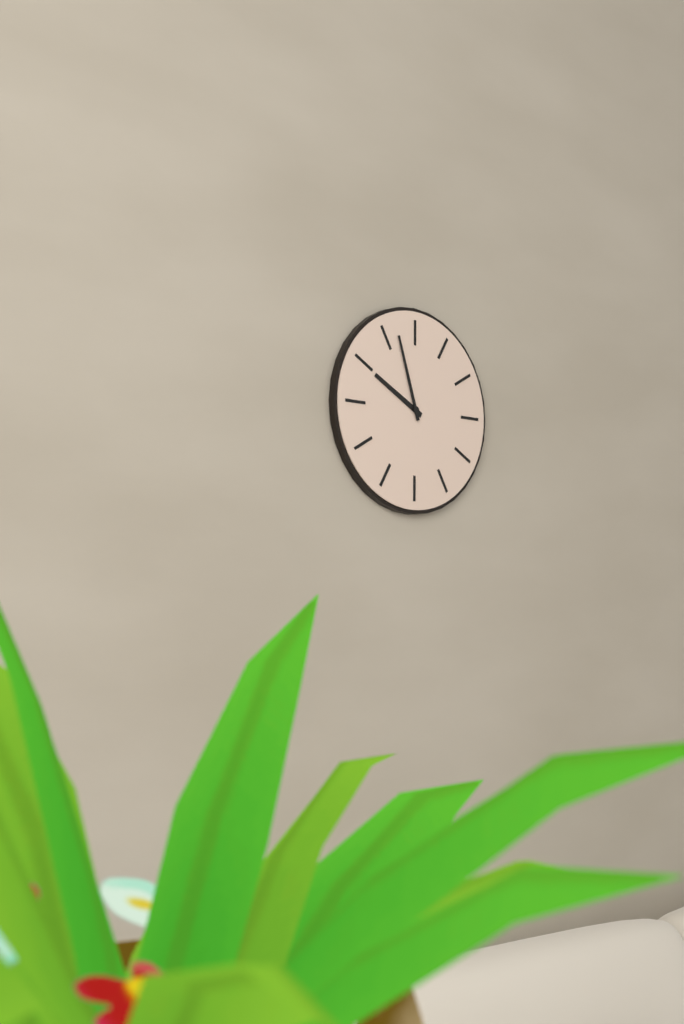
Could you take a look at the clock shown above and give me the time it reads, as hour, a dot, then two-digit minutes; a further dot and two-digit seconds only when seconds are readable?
9.57
